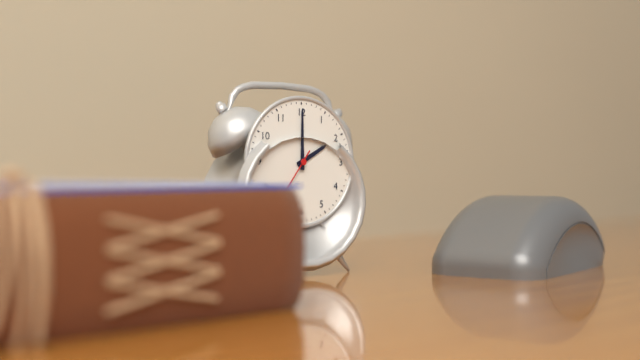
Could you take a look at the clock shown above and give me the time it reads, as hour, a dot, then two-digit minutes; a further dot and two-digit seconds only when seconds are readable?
2.00
